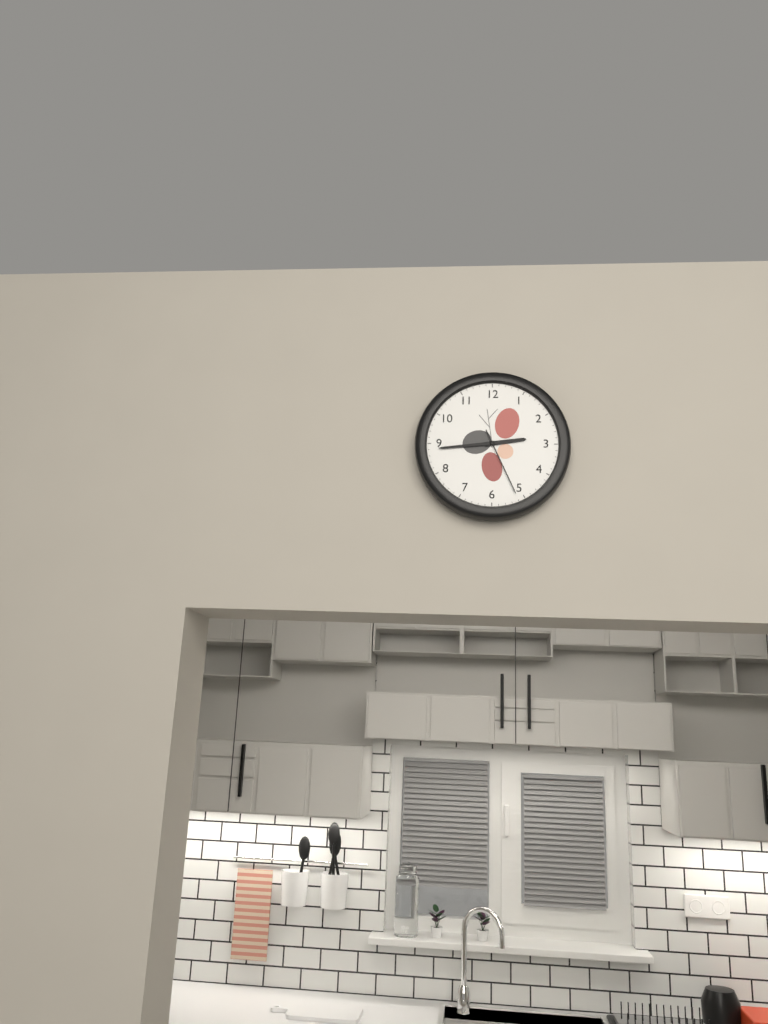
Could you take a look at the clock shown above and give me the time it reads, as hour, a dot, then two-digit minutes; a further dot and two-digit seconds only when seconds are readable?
2.44.26
